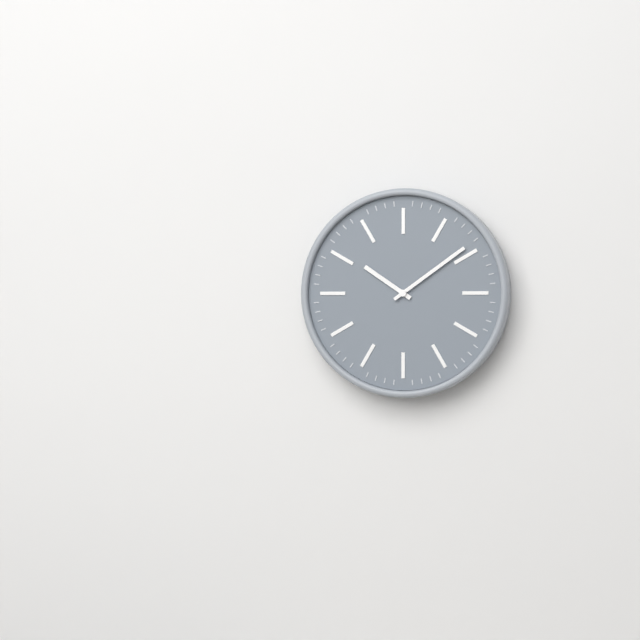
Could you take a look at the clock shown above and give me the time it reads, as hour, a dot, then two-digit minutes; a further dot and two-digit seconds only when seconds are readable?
10.09
